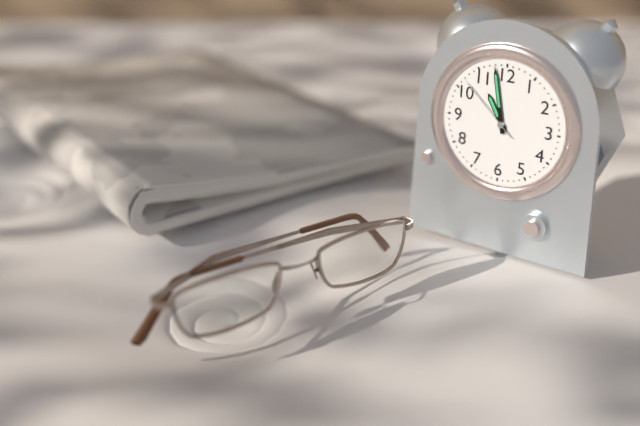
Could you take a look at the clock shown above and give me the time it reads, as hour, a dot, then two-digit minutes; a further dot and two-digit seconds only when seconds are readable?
10.58.52
